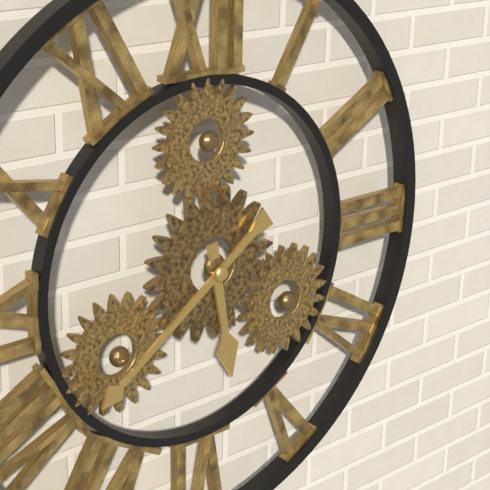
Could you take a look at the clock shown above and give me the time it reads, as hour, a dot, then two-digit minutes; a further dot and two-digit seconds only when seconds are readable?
5.39
